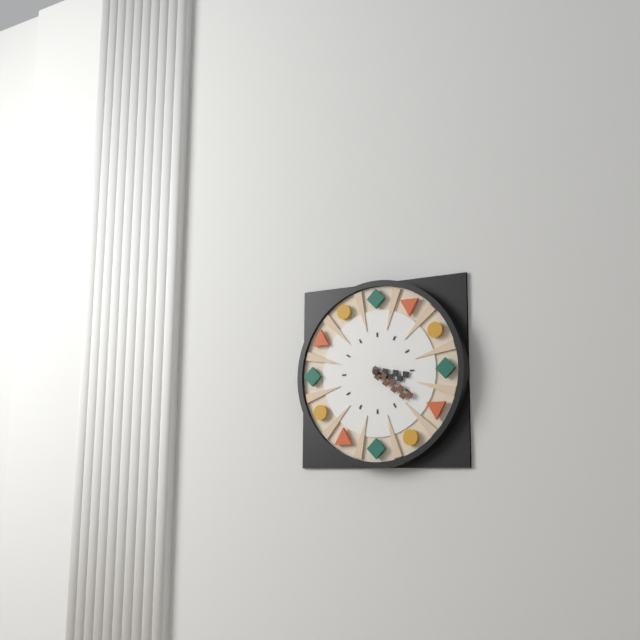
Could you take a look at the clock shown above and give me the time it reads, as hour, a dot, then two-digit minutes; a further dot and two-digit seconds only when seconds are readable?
3.21
